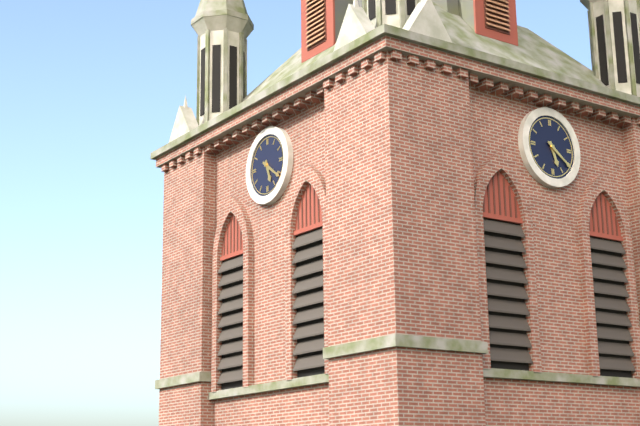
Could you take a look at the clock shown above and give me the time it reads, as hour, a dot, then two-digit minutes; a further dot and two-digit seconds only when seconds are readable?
5.21
